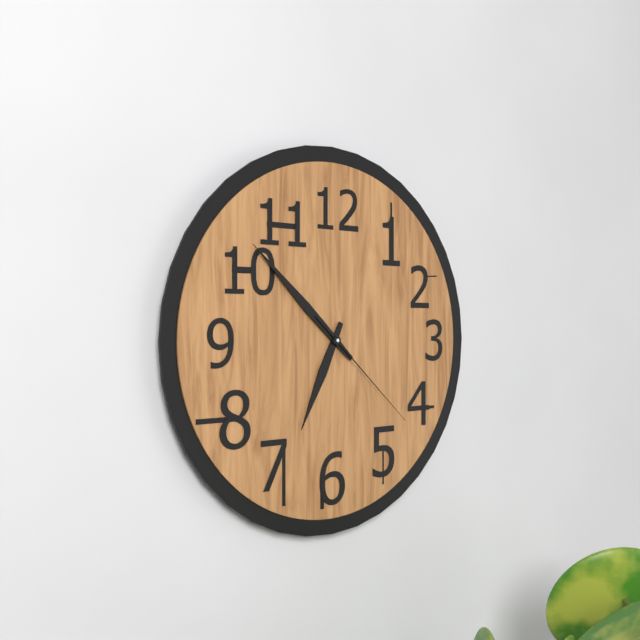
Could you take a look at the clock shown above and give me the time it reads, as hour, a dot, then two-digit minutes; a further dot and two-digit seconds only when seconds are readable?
6.52.22
